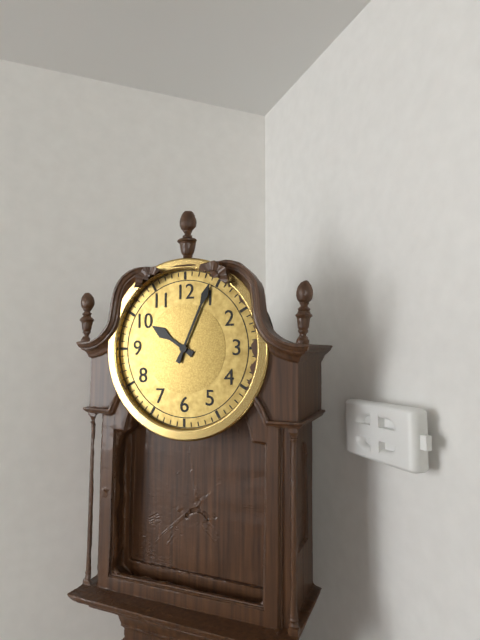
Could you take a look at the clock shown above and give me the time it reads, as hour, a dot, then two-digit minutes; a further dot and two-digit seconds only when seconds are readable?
10.04
